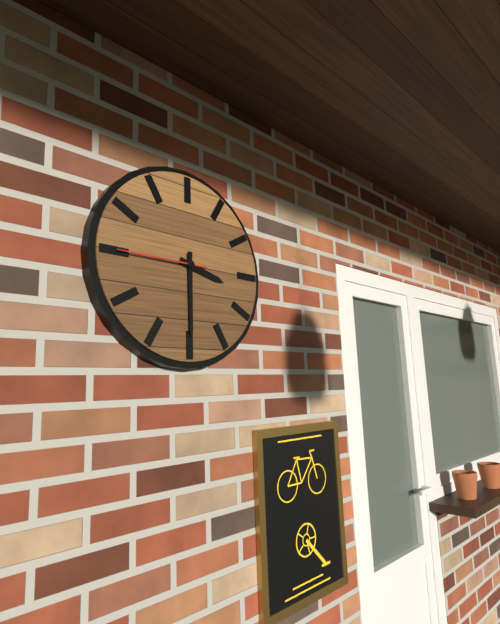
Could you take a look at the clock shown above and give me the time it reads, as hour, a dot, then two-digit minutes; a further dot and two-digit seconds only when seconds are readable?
3.30.45
